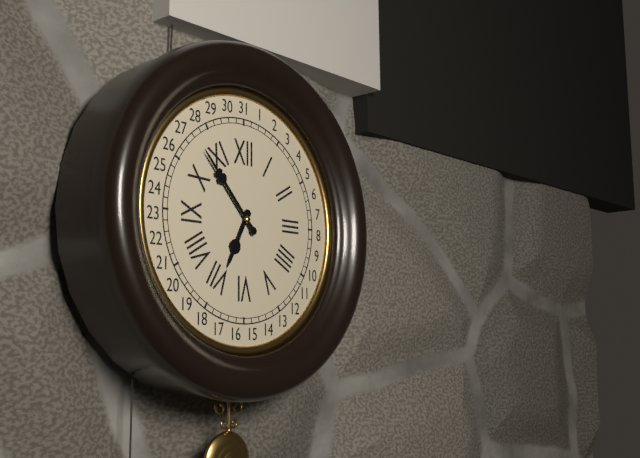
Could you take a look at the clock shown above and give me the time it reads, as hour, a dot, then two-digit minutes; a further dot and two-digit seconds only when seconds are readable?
6.53
